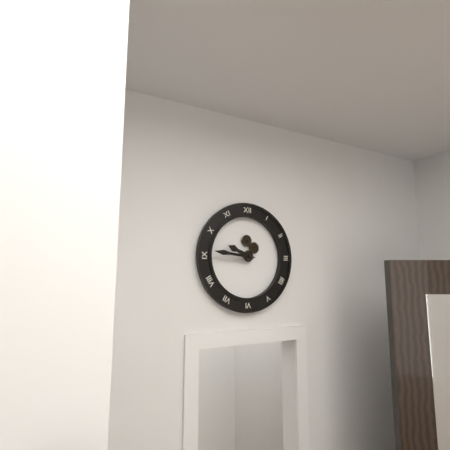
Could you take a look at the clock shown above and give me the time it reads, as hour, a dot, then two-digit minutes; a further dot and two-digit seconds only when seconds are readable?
9.46
